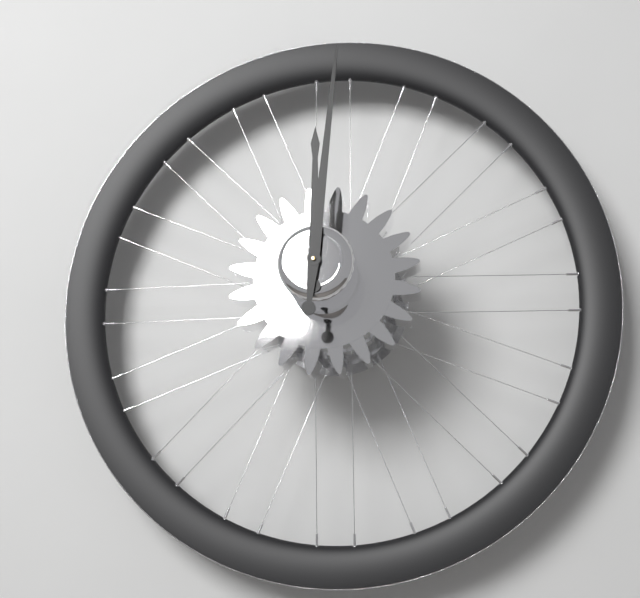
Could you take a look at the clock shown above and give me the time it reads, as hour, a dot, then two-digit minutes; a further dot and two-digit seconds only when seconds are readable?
12.01
